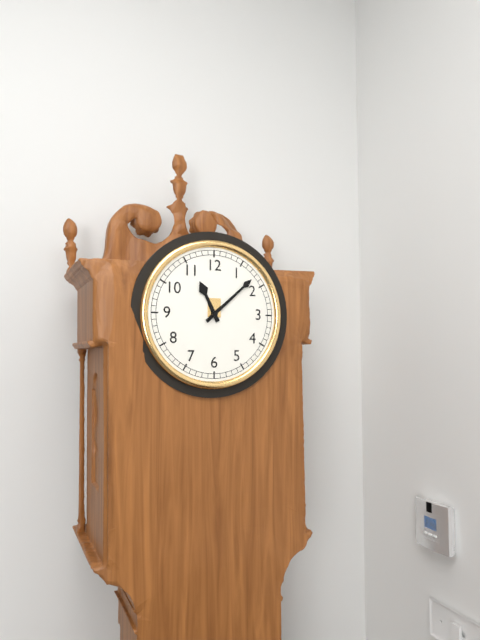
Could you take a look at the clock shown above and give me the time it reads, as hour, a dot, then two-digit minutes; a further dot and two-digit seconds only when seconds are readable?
11.08
